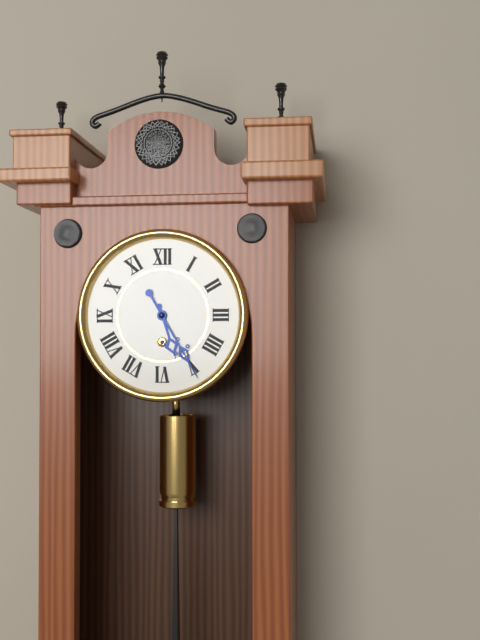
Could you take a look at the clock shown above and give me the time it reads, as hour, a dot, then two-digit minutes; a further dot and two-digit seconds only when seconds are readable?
5.25
